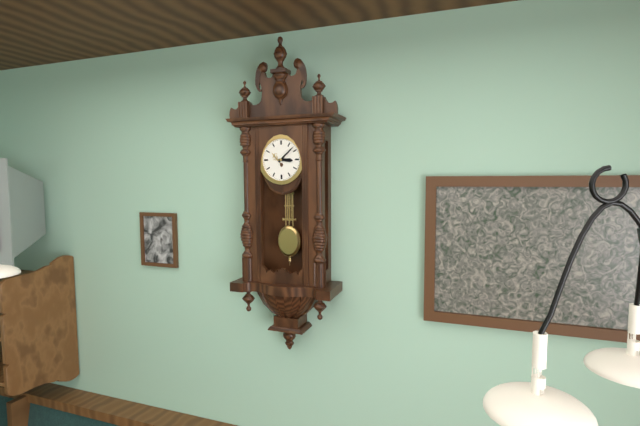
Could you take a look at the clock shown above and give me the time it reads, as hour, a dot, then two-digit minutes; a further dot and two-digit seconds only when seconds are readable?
3.08
